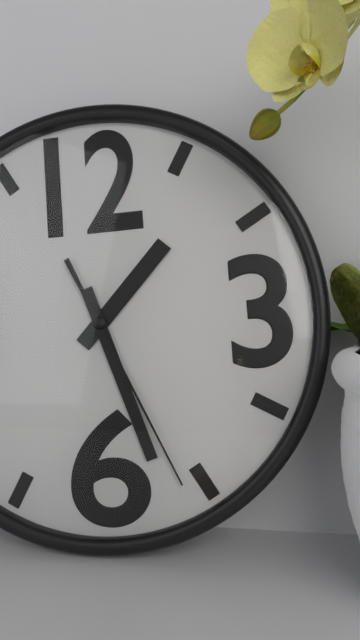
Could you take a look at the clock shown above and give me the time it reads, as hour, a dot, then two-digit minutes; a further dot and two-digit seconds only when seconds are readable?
1.27.26
